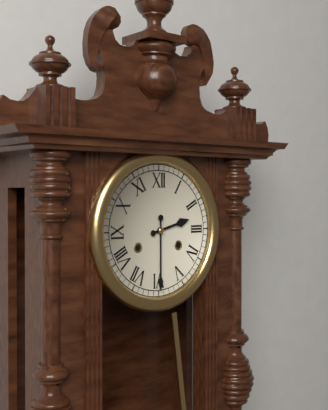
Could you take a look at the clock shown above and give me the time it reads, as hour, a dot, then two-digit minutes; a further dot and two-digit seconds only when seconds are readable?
2.30
